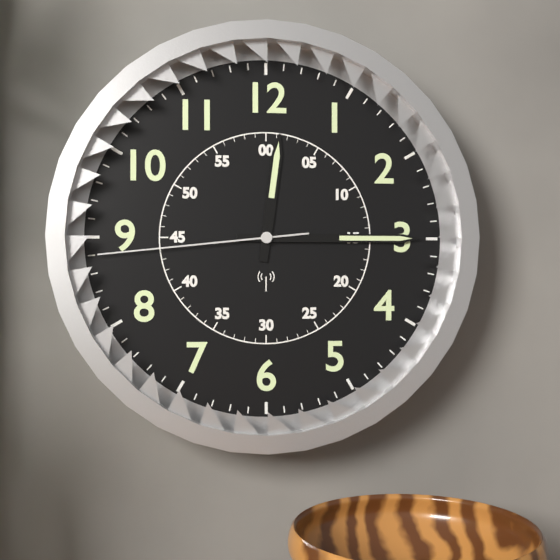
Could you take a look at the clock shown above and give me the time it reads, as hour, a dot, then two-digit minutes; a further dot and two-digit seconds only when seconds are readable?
12.15.44
